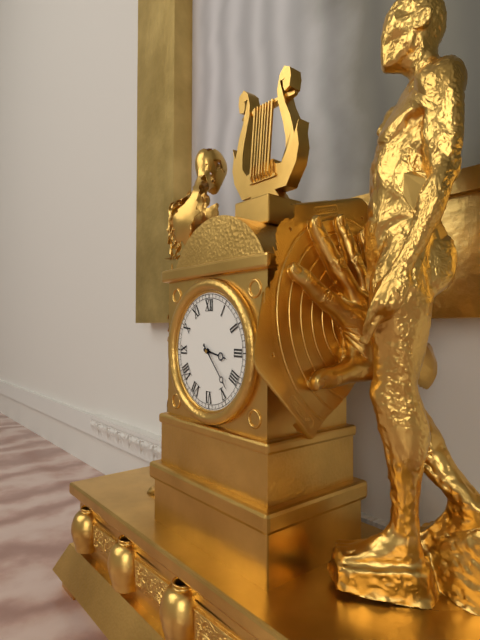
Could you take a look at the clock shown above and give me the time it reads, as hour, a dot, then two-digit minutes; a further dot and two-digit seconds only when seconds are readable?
3.23
